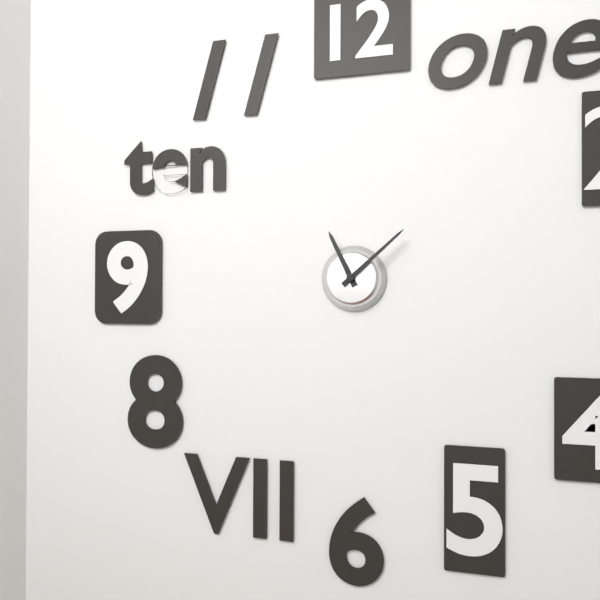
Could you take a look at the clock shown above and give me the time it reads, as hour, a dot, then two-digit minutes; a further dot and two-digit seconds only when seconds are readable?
11.08
